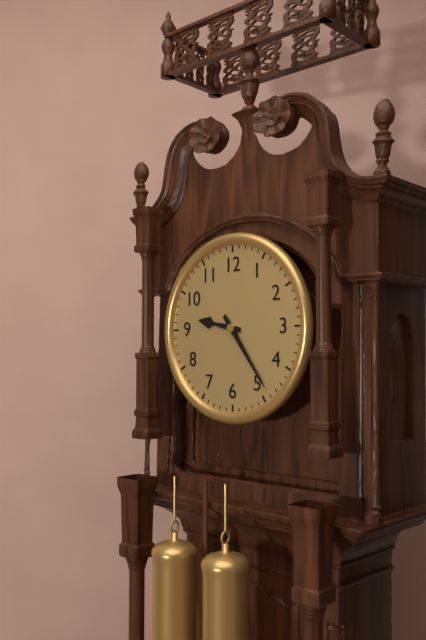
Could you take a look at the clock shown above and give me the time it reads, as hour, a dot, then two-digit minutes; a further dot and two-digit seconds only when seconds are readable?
9.24
